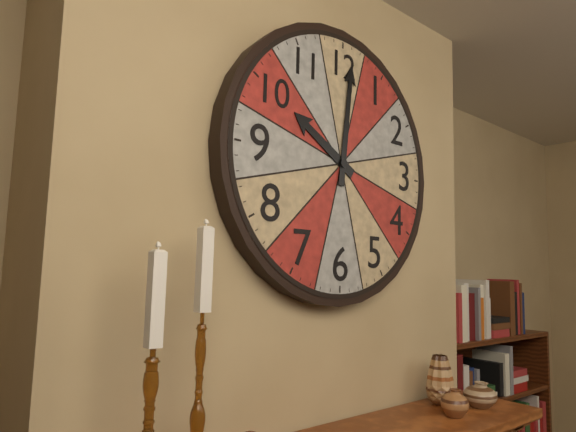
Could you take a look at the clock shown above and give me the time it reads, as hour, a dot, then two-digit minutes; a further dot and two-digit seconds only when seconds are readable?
10.01
